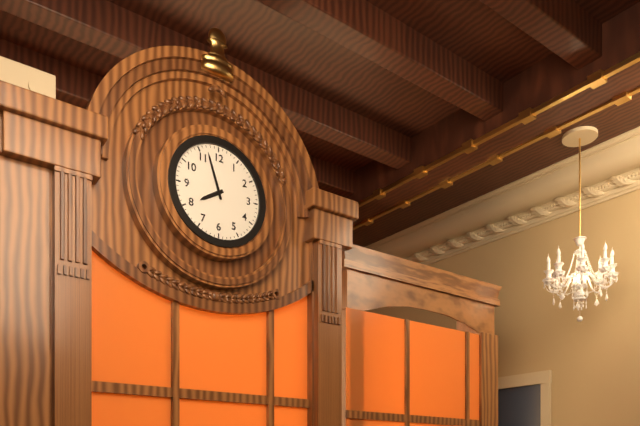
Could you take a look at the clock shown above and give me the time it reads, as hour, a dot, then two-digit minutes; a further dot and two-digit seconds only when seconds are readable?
7.57
